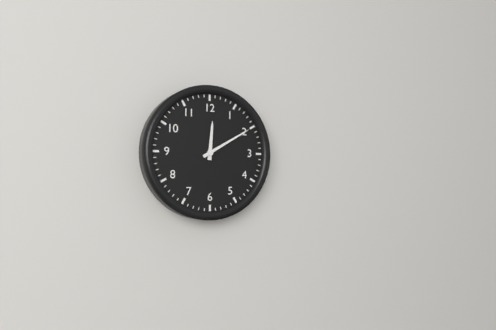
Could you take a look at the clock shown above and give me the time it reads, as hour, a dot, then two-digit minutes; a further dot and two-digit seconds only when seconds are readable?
12.10
